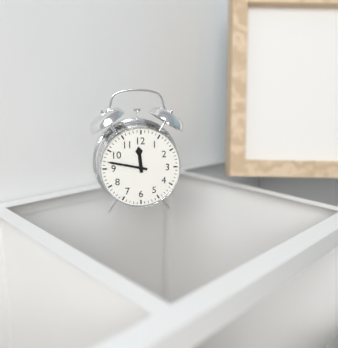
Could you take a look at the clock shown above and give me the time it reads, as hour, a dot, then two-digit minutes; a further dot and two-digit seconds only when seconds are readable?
11.47
